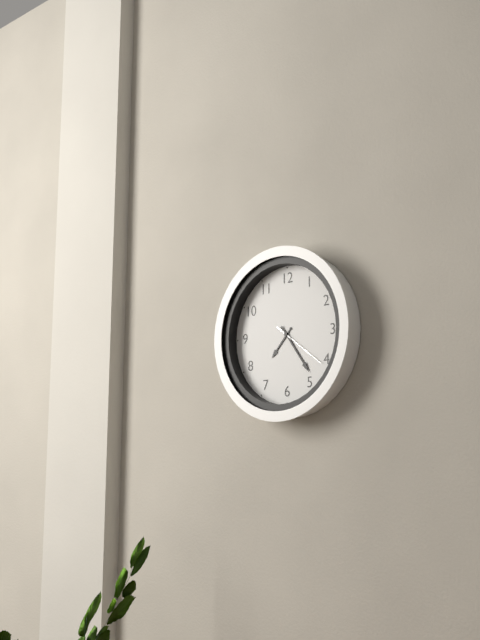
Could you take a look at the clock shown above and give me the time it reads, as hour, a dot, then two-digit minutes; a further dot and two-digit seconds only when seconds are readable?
7.24
